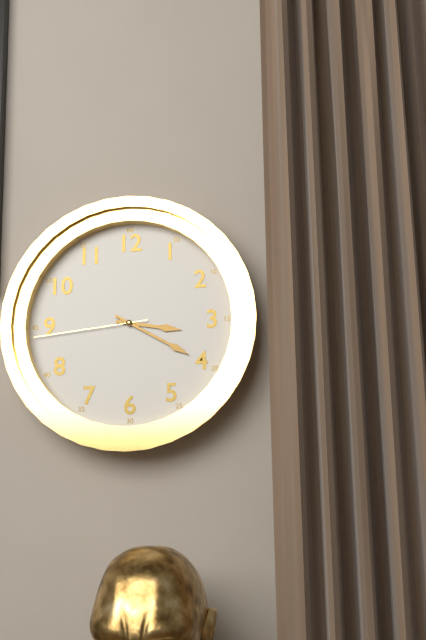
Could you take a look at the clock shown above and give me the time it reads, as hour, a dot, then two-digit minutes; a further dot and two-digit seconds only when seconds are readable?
3.20.44
